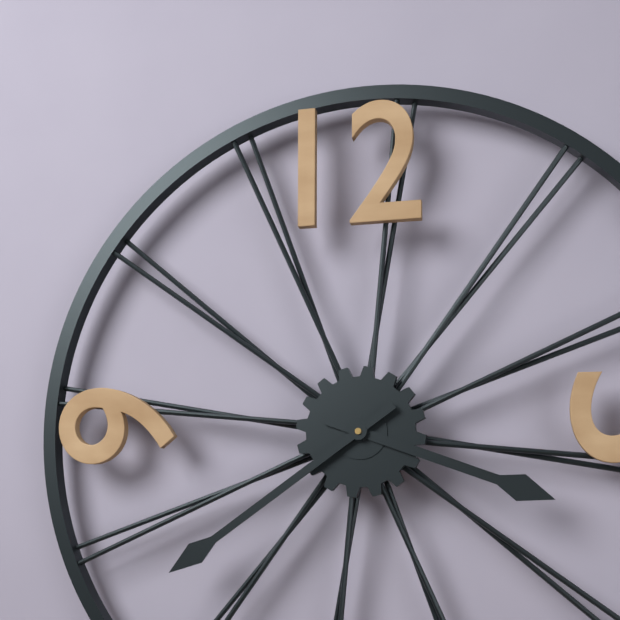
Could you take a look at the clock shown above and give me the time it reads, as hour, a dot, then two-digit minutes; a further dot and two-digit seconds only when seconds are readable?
3.39
